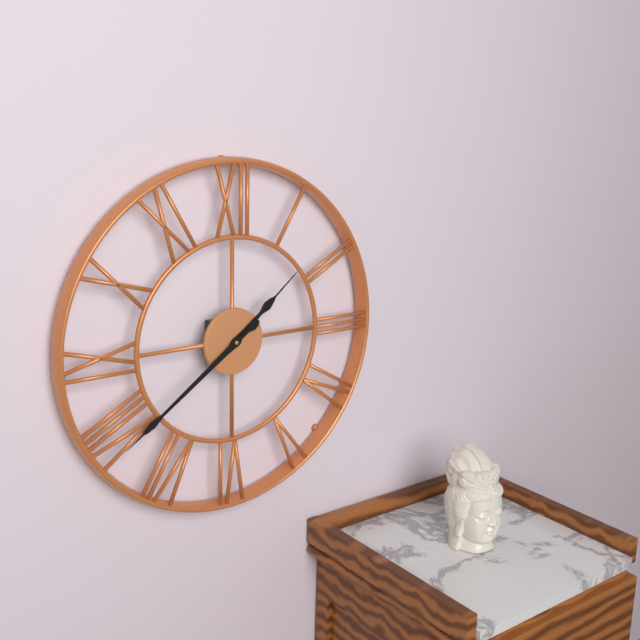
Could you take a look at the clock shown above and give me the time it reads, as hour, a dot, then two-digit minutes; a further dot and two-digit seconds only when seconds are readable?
1.39
